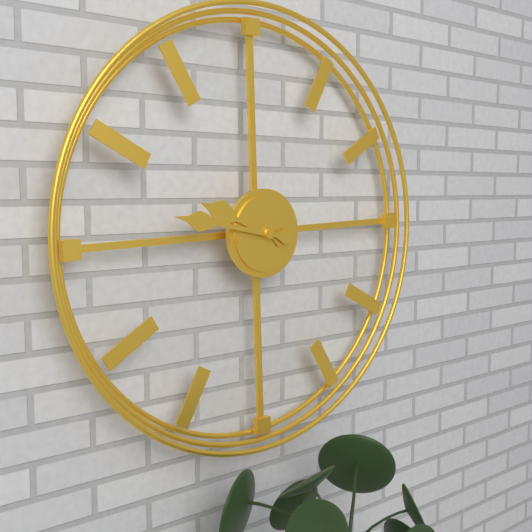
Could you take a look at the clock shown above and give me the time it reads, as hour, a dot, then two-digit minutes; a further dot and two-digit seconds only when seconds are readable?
9.47
